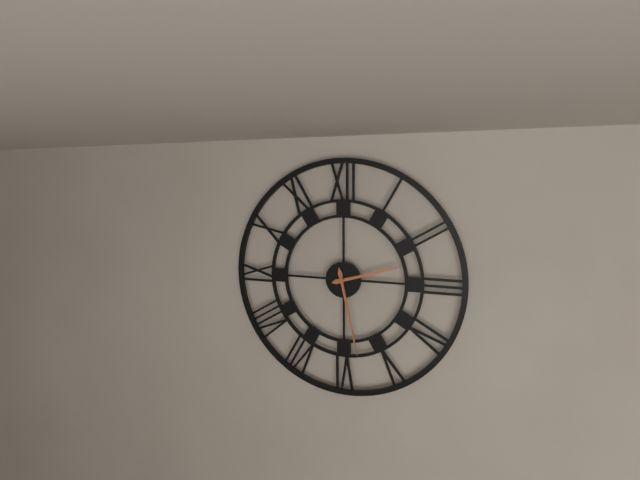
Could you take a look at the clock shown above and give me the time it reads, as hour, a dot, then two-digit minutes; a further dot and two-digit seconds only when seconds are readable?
2.28
